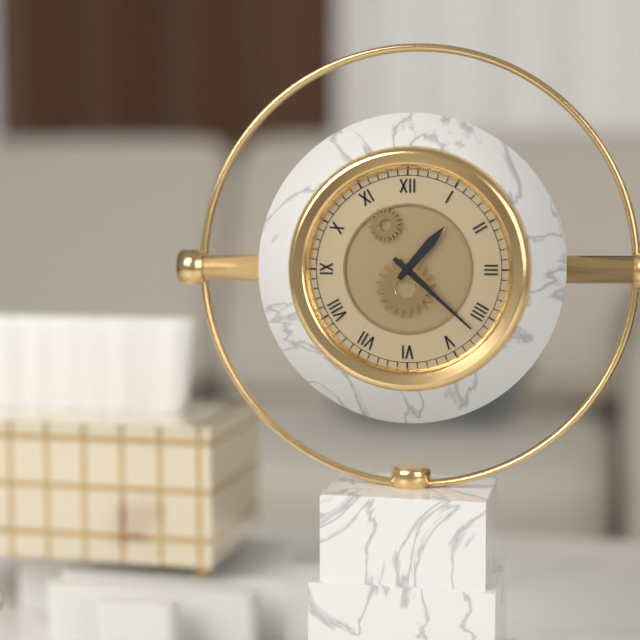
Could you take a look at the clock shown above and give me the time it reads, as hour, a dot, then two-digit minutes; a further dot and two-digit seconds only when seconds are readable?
1.22
